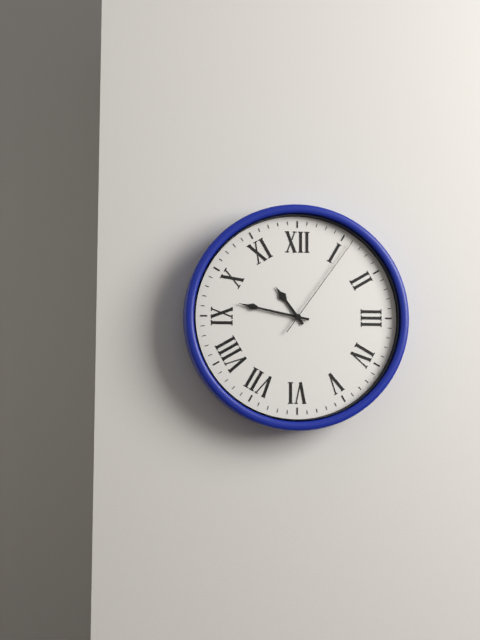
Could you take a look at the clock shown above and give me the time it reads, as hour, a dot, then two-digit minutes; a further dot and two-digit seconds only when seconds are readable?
10.47.06
